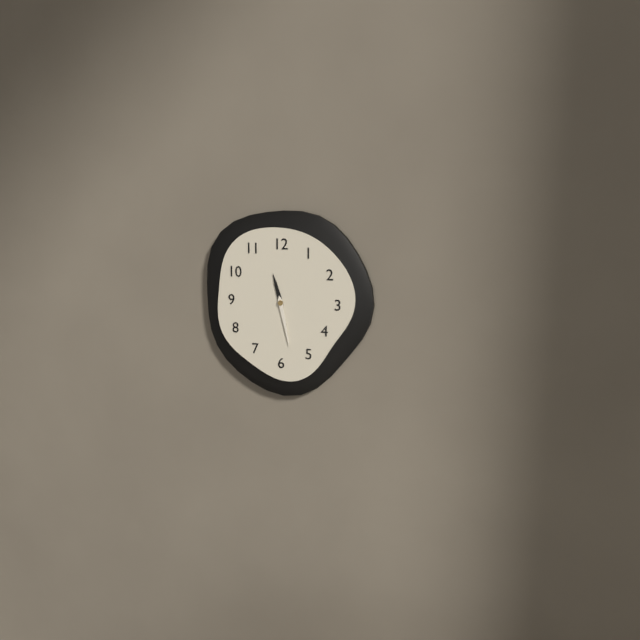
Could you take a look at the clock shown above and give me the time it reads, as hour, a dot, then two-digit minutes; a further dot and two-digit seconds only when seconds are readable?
11.28
